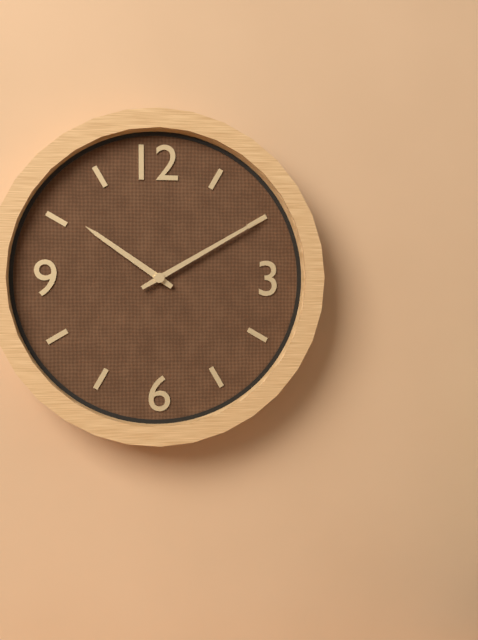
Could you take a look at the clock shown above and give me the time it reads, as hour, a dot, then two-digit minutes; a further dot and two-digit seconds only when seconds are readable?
10.10
